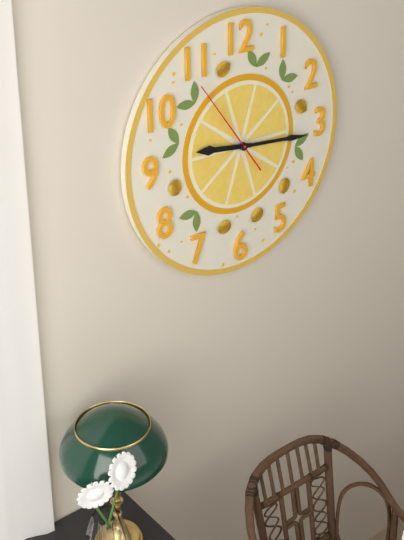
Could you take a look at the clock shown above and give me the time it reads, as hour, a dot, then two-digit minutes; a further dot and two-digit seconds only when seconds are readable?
9.16.54
